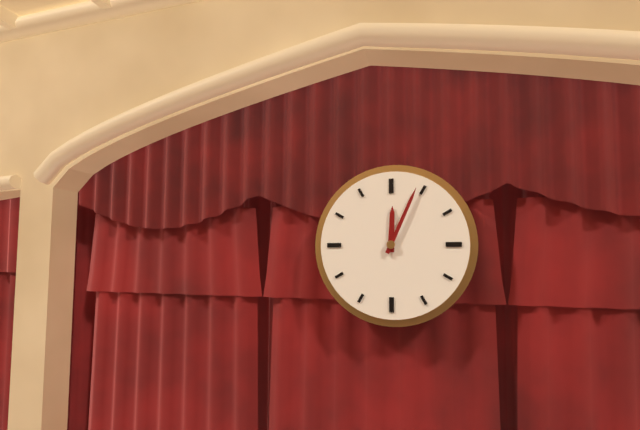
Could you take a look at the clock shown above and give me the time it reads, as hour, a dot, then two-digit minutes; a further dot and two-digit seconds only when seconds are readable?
12.04
